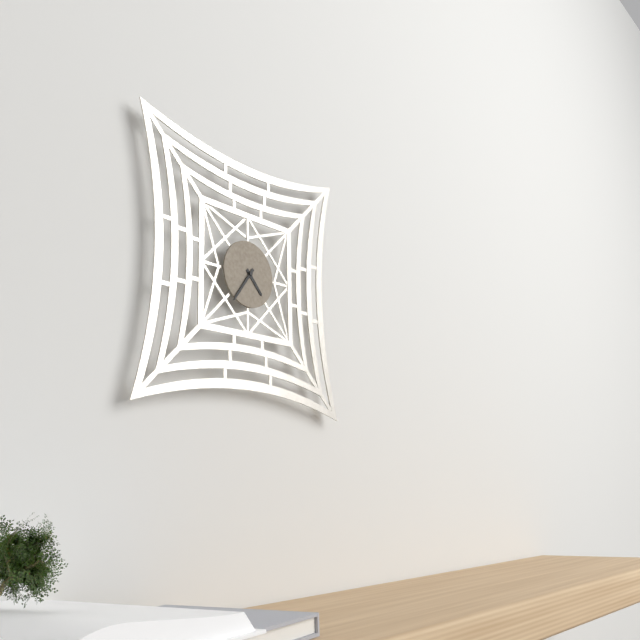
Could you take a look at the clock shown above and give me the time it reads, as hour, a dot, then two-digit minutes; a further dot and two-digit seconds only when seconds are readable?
4.36
